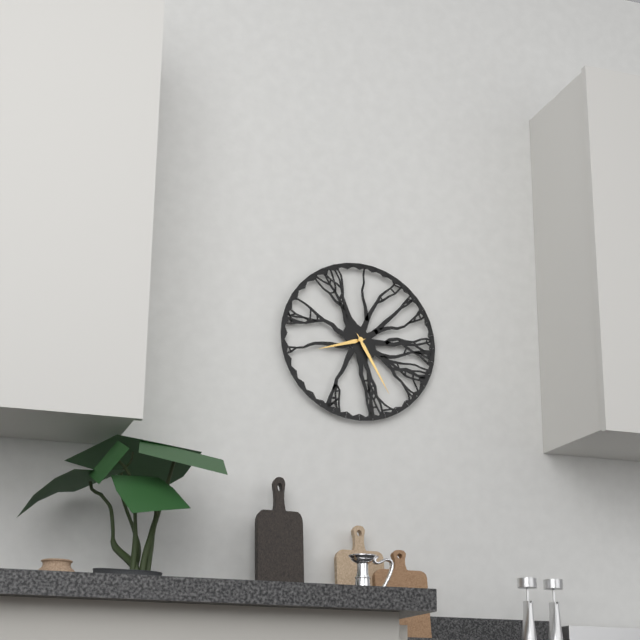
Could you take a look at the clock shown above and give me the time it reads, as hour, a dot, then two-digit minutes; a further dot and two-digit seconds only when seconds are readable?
8.25
